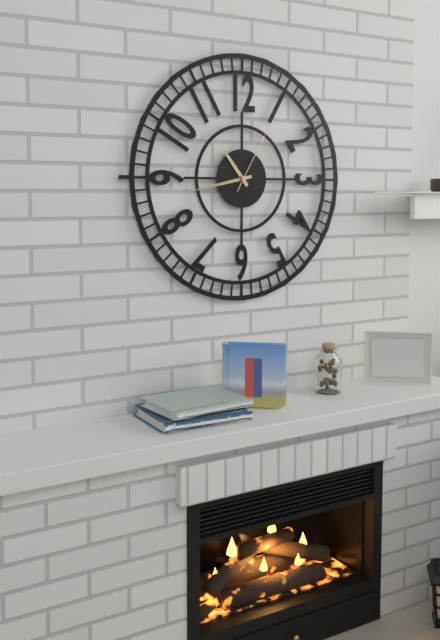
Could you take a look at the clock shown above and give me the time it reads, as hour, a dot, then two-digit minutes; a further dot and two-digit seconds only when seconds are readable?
10.43.05
